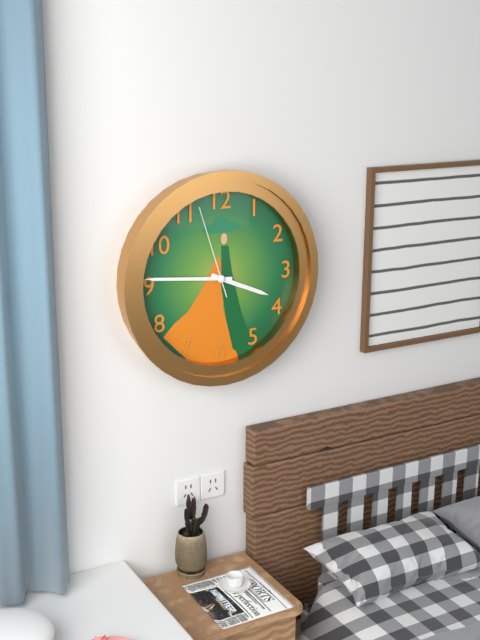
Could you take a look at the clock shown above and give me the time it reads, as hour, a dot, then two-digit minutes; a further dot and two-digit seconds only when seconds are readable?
3.46.57
